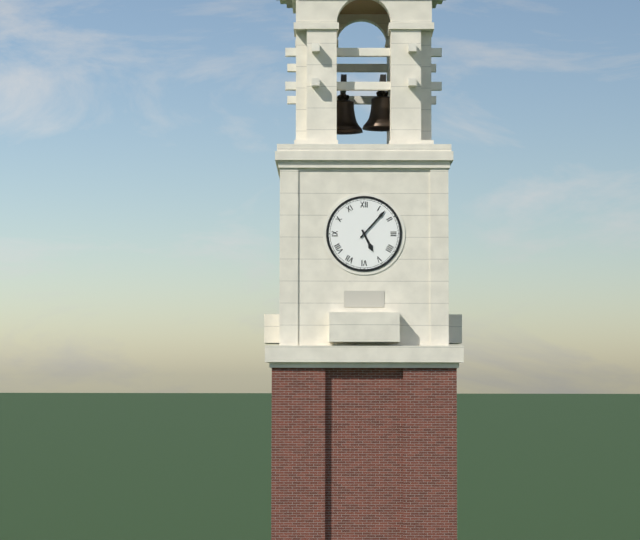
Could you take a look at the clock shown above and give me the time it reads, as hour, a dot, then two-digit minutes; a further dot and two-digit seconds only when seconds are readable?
5.07
